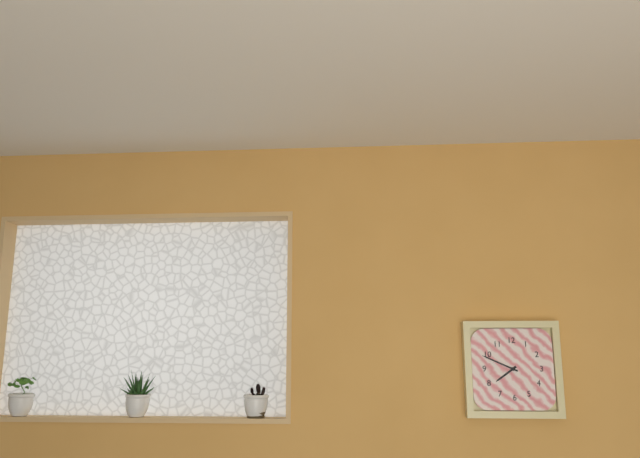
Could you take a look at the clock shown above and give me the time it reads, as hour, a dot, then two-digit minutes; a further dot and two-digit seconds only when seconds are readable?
7.49
